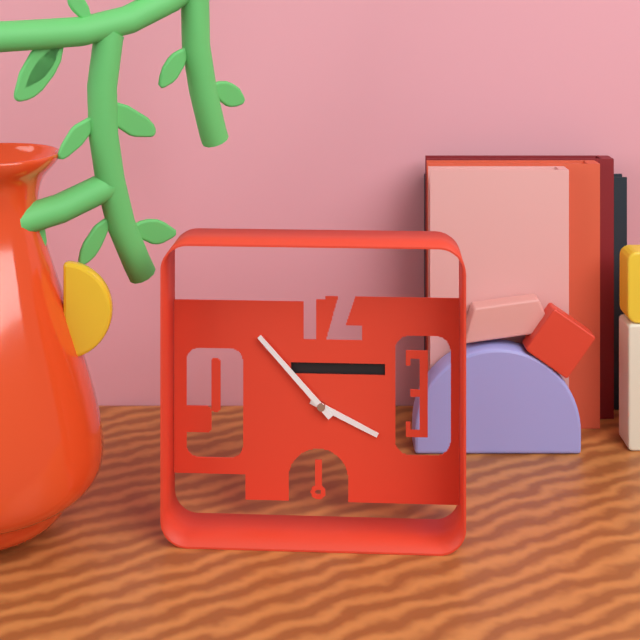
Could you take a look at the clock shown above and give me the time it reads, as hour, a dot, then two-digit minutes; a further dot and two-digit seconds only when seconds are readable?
3.53
